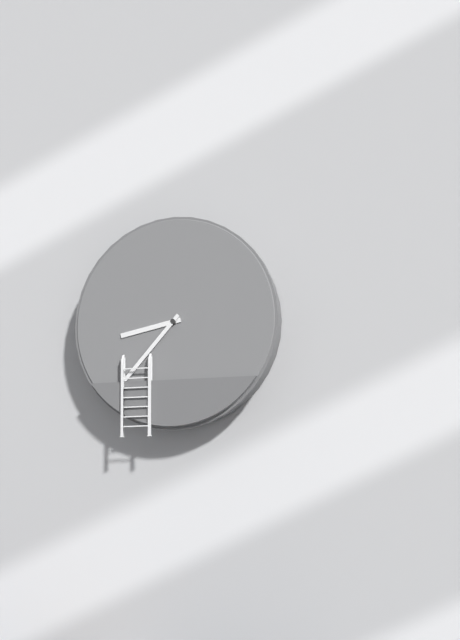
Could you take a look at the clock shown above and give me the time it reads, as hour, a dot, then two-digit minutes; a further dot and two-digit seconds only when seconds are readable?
8.37
